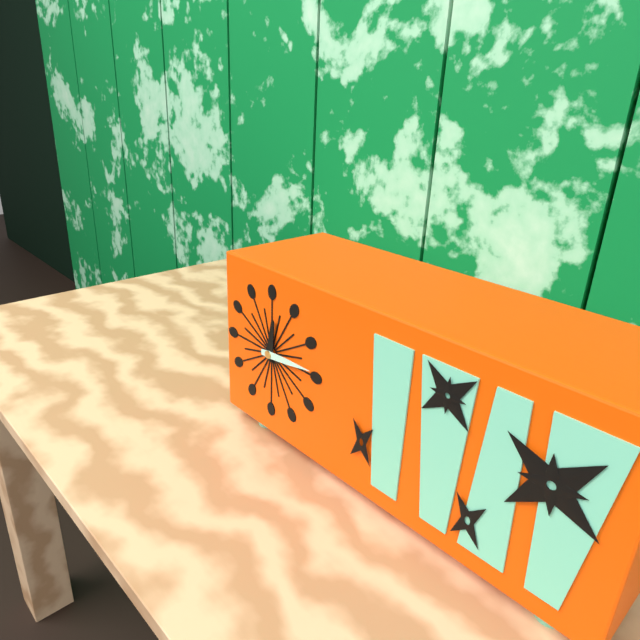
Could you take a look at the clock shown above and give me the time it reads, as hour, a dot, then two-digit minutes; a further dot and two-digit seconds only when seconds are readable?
12.14
